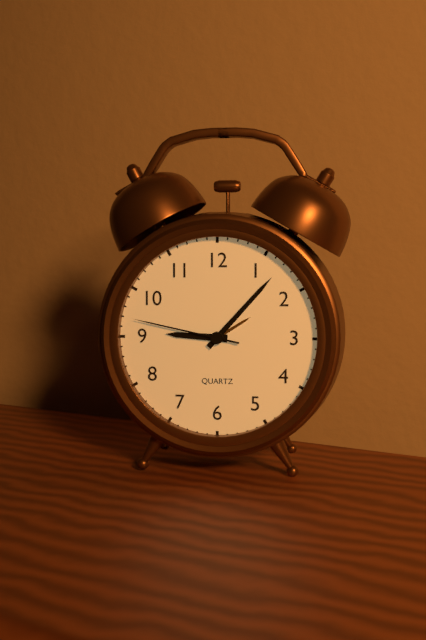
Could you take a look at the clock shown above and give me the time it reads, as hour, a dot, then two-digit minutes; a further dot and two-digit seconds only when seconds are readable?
9.07.47
